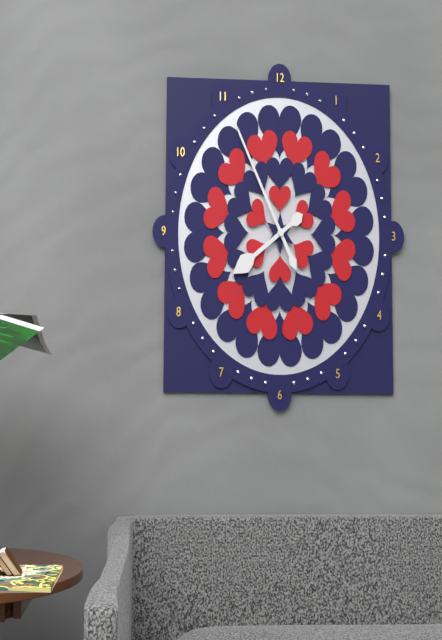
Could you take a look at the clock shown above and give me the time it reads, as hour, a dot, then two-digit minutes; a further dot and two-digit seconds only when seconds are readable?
7.55
